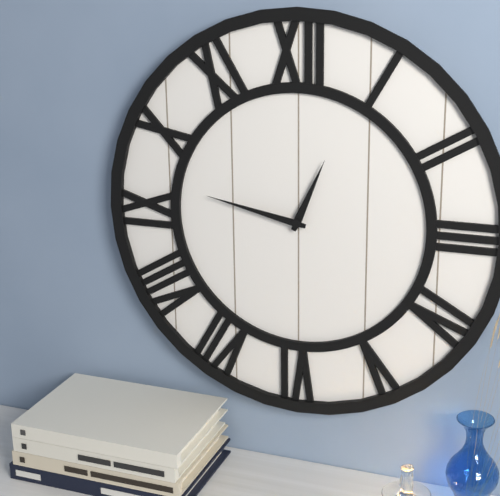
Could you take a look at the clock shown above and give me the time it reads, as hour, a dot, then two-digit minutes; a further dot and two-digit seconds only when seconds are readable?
12.47
